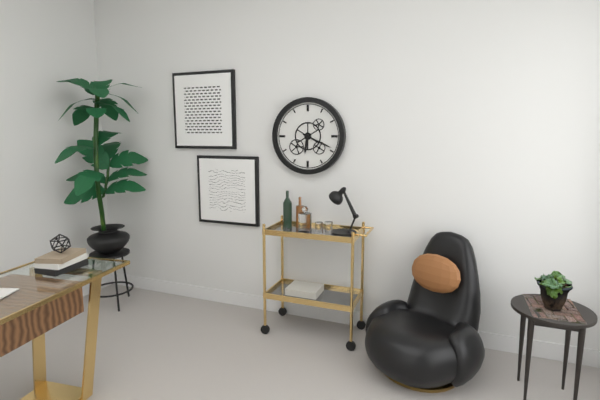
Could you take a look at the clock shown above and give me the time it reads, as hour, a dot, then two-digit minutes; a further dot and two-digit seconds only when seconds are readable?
6.19
